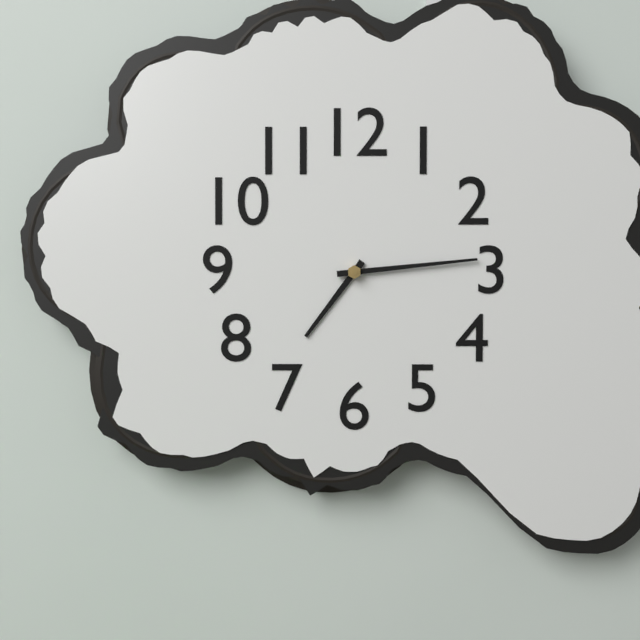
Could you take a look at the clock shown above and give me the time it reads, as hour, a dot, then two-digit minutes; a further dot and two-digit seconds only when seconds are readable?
7.14
